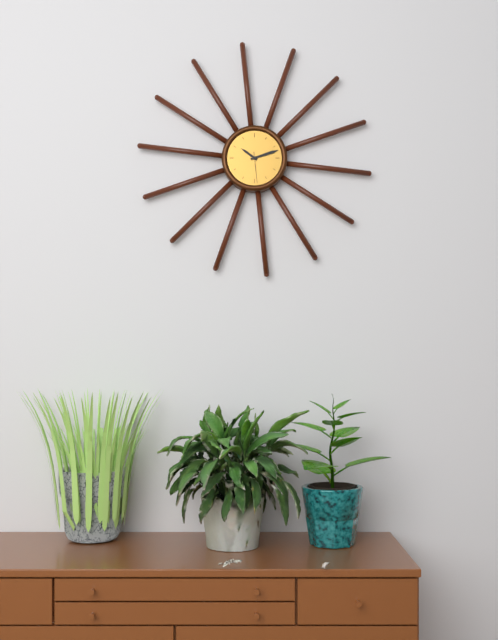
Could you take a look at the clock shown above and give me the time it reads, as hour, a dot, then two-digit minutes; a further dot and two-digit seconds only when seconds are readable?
10.12
